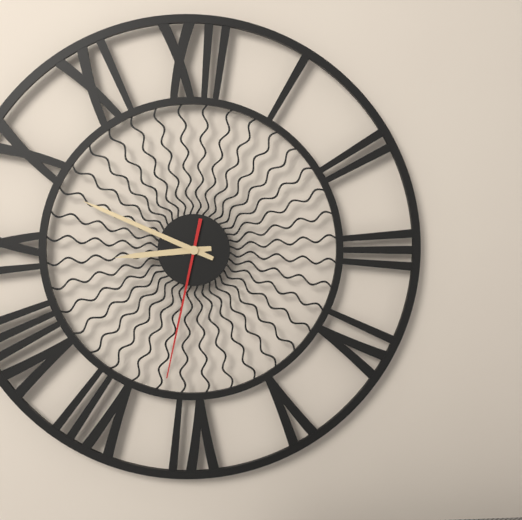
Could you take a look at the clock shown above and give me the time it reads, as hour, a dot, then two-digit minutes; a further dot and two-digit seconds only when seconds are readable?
8.49.32
